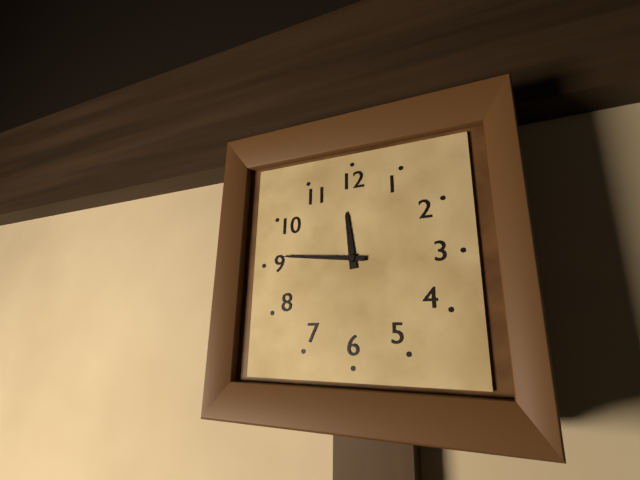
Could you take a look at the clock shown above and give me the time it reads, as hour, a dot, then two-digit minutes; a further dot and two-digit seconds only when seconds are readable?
11.46
